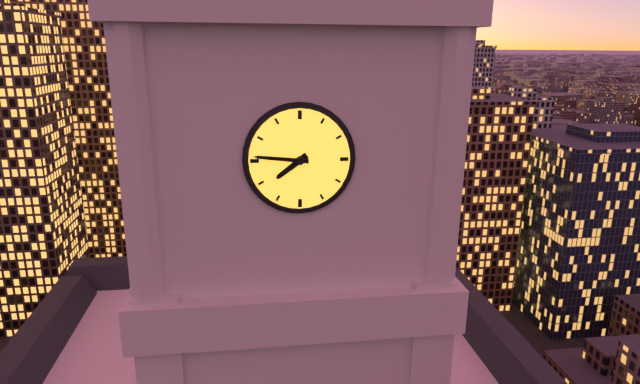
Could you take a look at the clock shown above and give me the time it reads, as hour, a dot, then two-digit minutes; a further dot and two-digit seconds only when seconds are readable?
7.46
